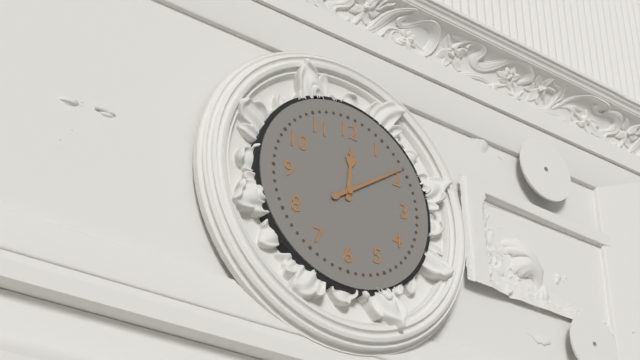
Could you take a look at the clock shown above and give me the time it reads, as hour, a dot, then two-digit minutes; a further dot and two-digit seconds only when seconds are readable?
12.09
